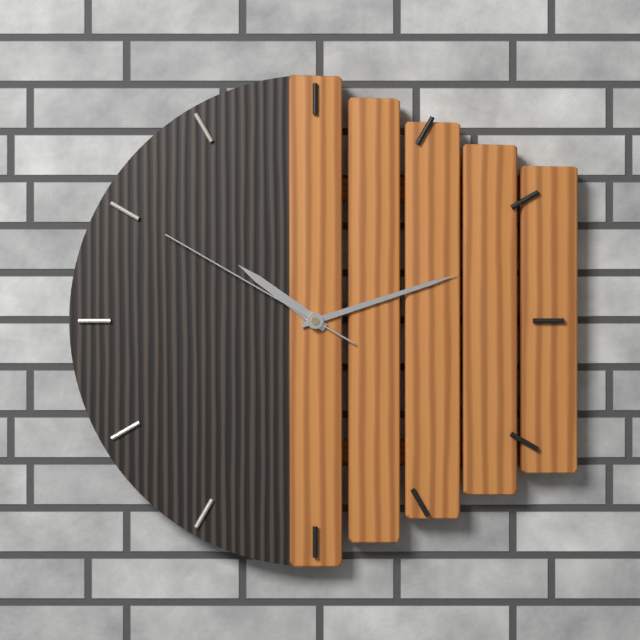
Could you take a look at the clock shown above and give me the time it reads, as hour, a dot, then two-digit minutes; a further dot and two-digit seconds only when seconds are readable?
10.12.50
